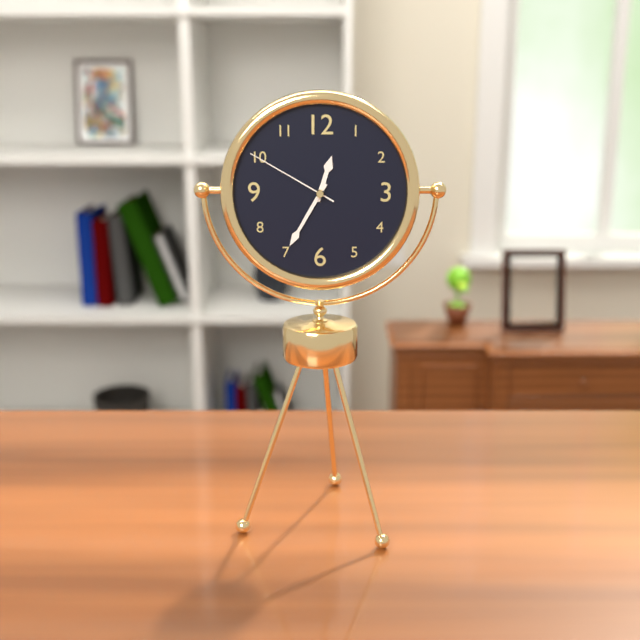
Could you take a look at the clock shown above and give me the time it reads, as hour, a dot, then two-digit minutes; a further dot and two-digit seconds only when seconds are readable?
12.35.50
